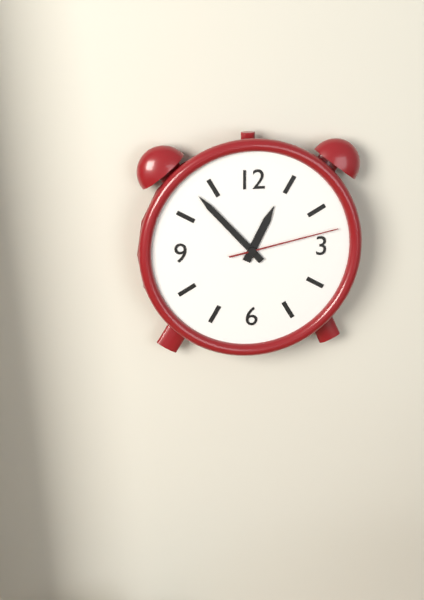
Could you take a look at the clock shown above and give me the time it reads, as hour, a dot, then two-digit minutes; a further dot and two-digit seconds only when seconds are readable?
12.53.13
